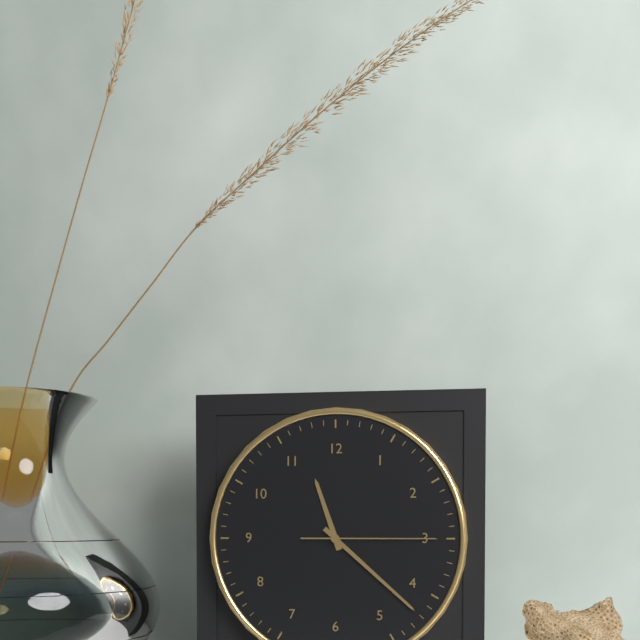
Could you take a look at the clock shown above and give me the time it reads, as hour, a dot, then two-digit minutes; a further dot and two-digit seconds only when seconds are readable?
11.22.15
